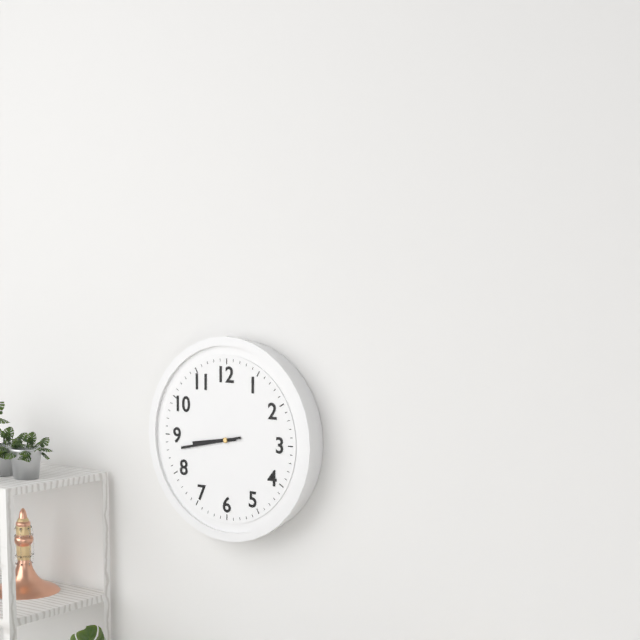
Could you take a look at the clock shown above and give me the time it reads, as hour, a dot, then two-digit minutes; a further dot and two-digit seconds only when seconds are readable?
8.43
